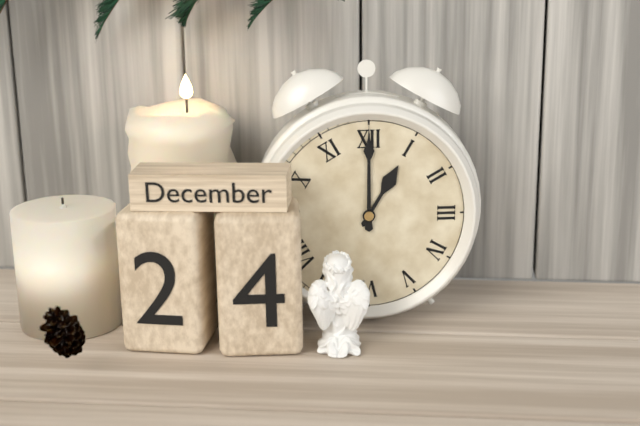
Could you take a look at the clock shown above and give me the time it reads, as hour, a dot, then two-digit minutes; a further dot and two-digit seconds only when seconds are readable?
1.00
